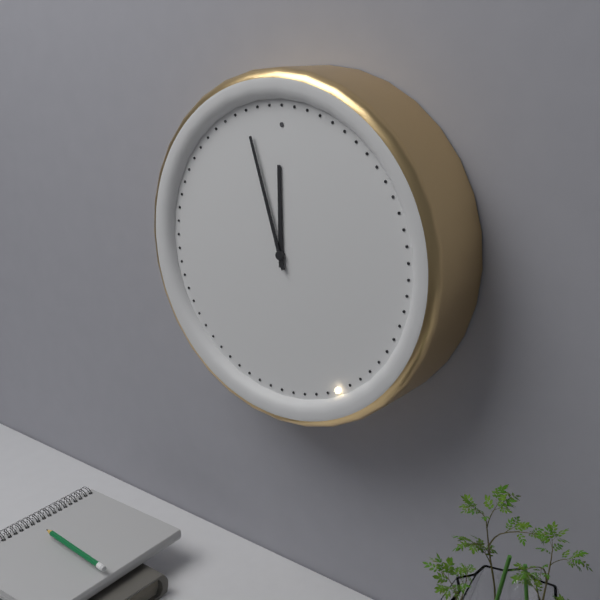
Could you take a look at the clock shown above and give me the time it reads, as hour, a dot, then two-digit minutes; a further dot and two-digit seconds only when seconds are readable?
11.57
